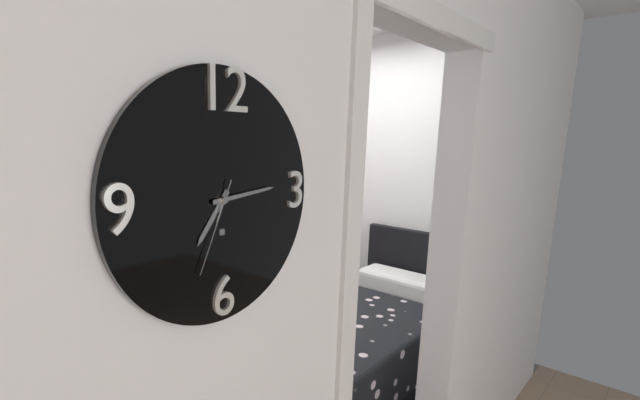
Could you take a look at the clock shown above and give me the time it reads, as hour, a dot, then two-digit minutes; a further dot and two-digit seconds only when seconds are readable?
7.14.34
